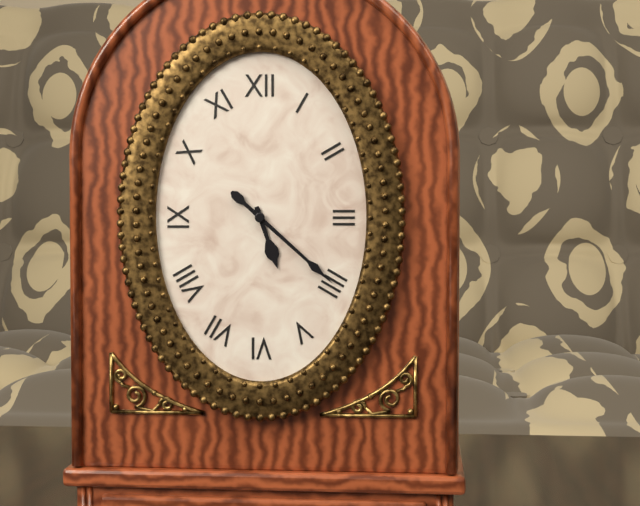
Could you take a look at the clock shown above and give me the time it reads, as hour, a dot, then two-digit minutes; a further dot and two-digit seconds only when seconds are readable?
5.22
